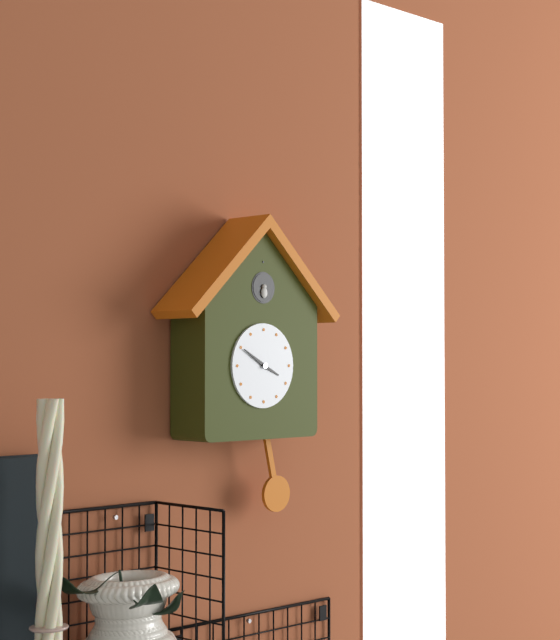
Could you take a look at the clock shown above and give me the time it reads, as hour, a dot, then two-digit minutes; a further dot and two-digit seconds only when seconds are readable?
3.50
